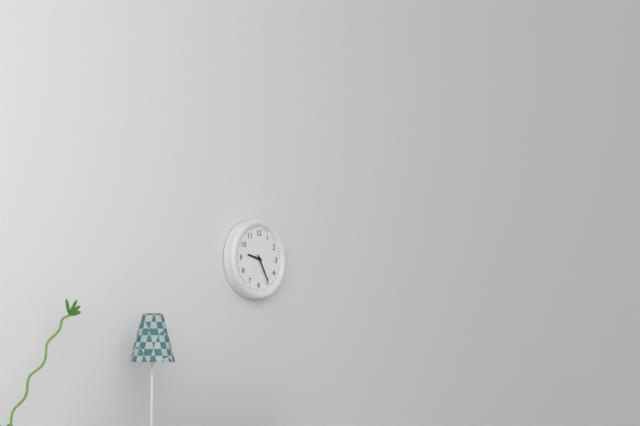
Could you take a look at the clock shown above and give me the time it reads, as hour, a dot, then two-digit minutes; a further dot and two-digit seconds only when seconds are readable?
9.25
